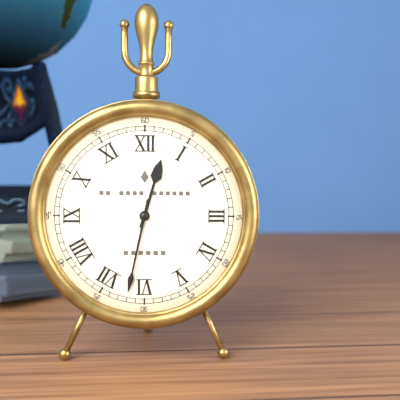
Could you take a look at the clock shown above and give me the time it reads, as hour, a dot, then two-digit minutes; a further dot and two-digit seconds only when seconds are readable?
12.32
